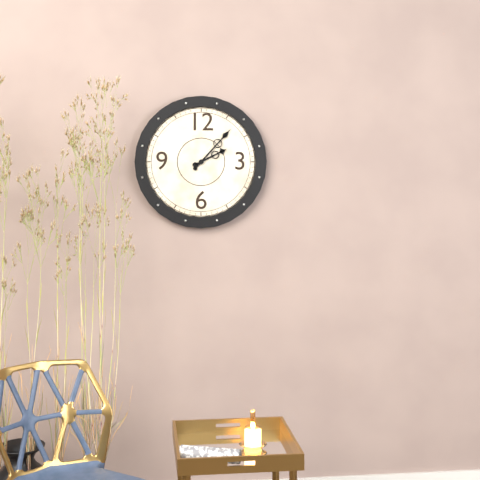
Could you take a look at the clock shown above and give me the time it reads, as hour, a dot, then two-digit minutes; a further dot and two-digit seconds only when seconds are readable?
2.07
